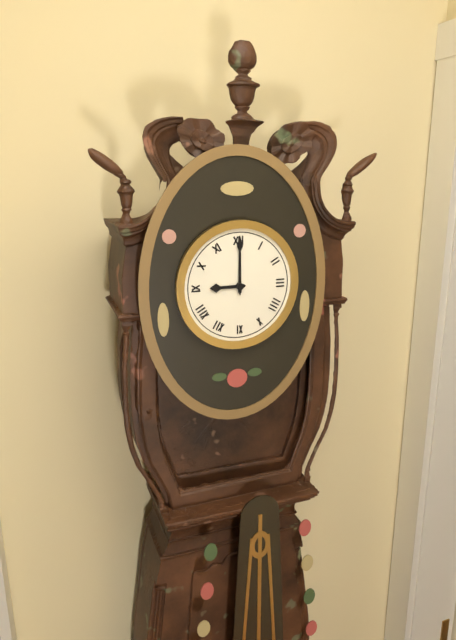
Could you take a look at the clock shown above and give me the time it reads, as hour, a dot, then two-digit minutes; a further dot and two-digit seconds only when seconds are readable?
9.00
